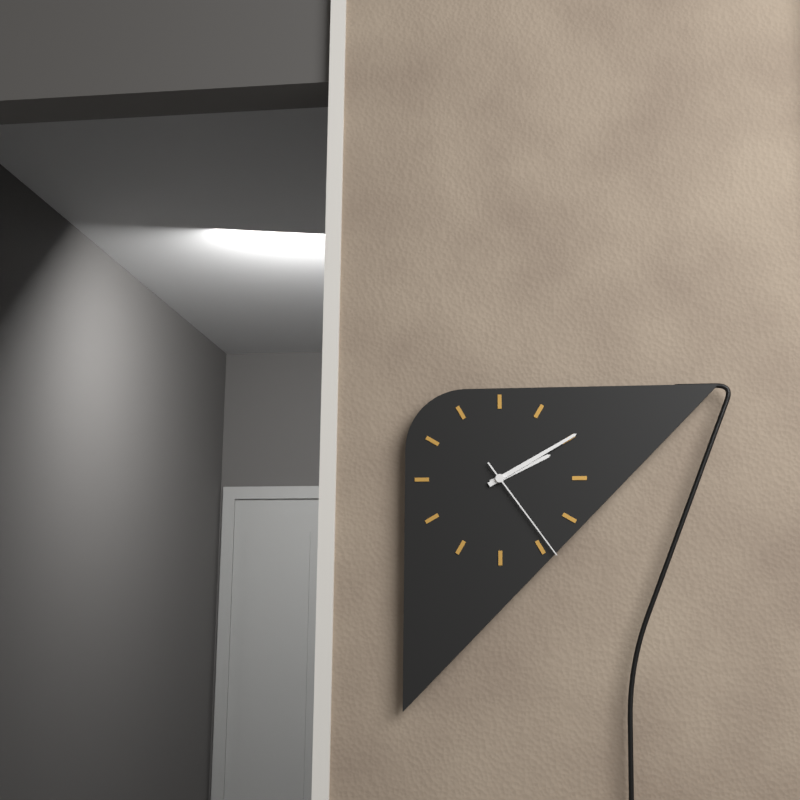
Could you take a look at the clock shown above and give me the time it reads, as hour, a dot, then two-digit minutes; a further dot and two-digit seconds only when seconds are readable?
2.10.24
